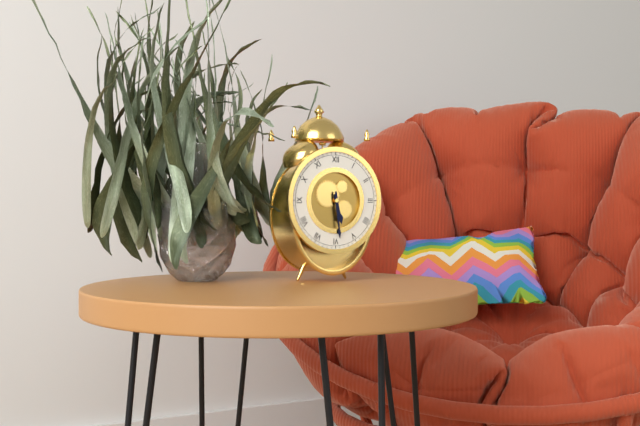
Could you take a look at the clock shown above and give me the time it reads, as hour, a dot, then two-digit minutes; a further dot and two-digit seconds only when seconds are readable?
5.29
